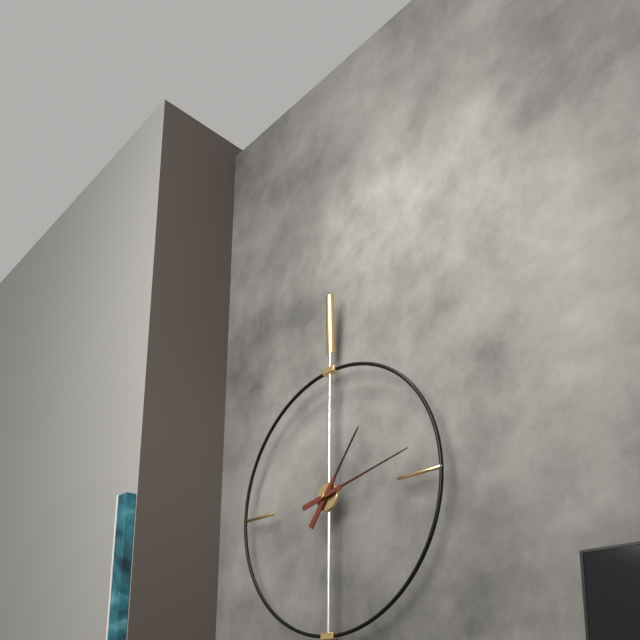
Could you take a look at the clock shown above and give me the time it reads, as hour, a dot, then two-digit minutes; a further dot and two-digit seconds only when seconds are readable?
1.13
